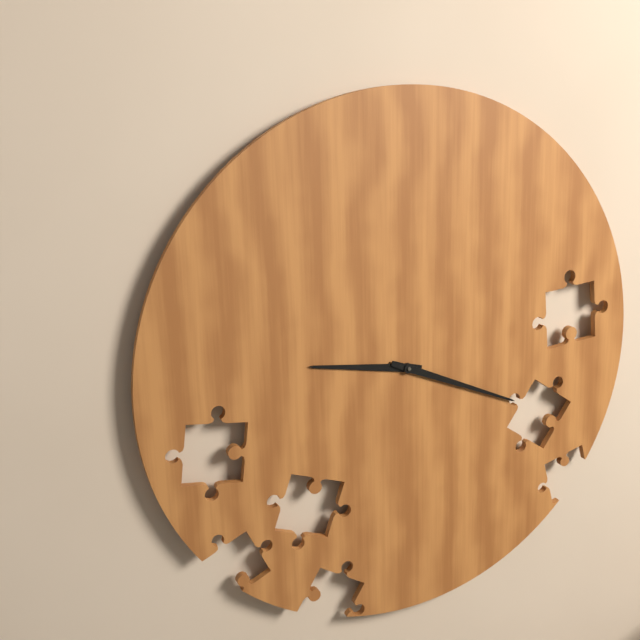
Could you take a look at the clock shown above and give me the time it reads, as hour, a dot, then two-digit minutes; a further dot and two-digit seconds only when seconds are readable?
9.19
